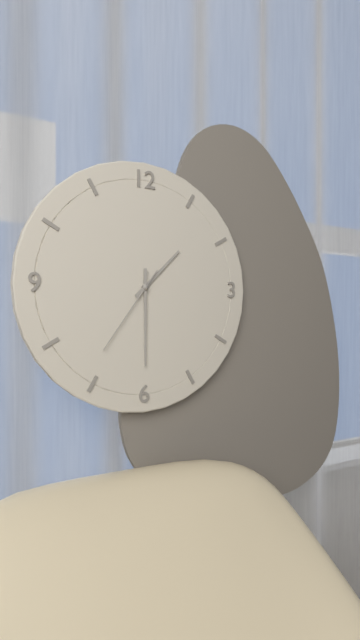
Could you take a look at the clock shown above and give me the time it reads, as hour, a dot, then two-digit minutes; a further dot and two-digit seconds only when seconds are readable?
1.30.36
